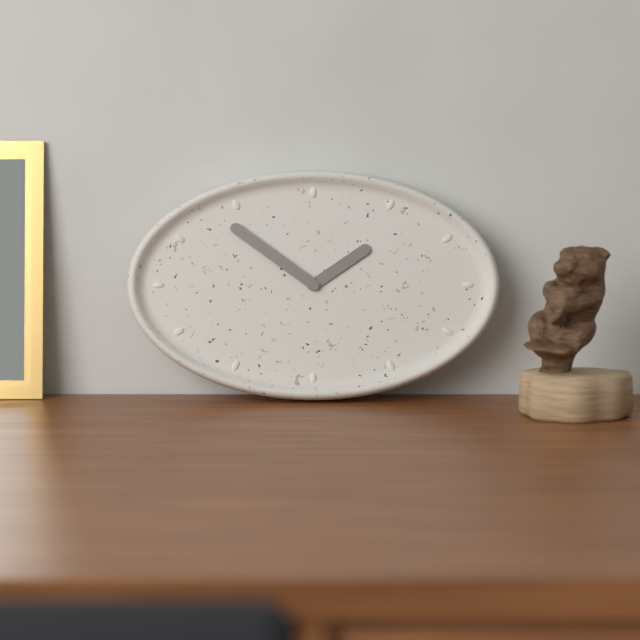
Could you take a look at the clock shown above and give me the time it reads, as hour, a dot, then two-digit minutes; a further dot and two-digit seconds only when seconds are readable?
1.51
